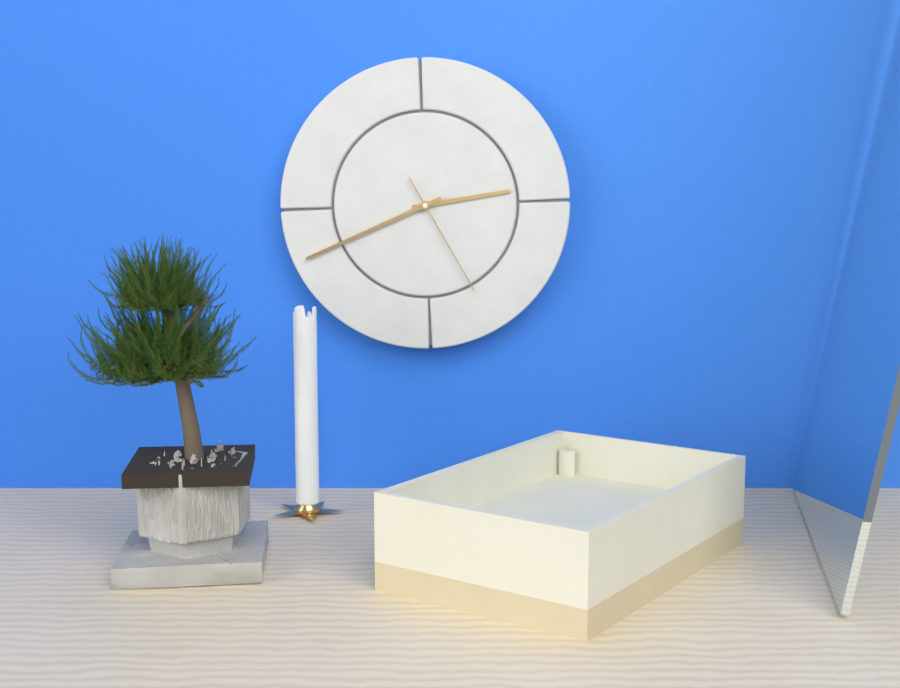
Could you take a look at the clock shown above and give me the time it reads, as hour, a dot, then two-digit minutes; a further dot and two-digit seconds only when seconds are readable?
2.41.25
